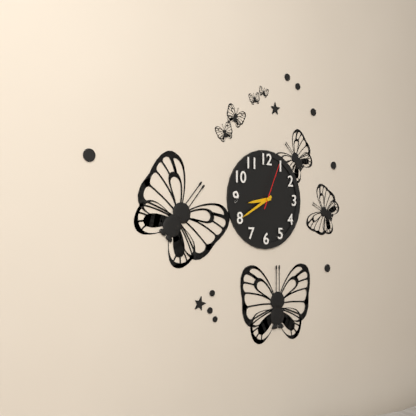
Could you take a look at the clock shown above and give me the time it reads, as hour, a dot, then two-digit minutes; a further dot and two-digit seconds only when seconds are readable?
8.40
